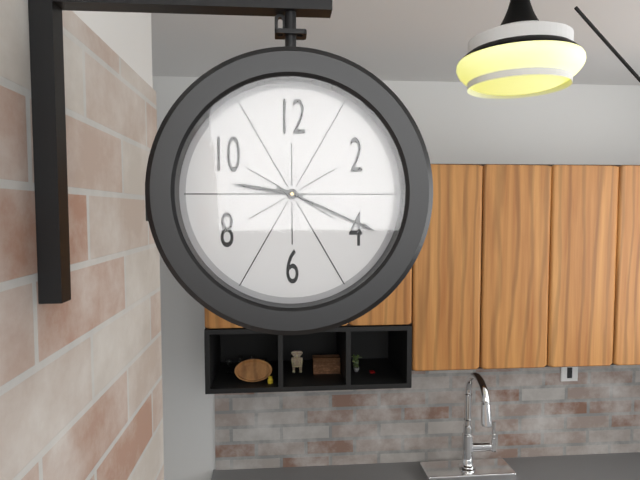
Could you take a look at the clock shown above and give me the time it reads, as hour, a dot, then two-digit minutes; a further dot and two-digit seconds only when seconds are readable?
9.19
